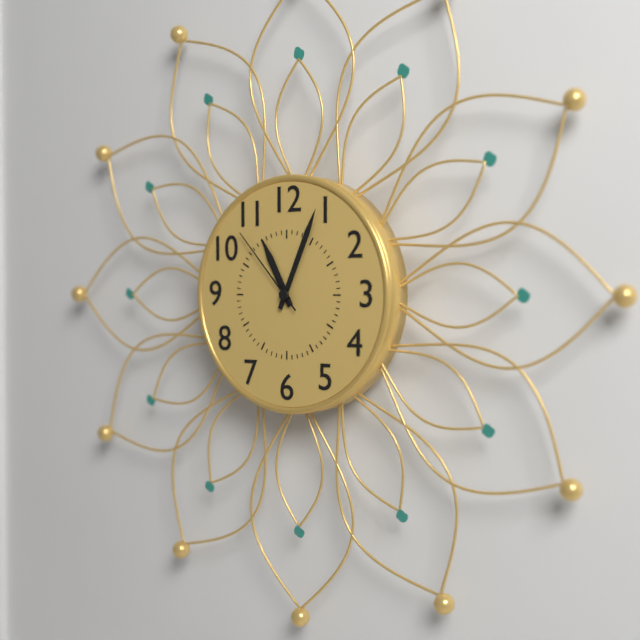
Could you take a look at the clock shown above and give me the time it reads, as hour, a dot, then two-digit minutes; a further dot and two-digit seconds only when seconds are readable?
11.04.53
